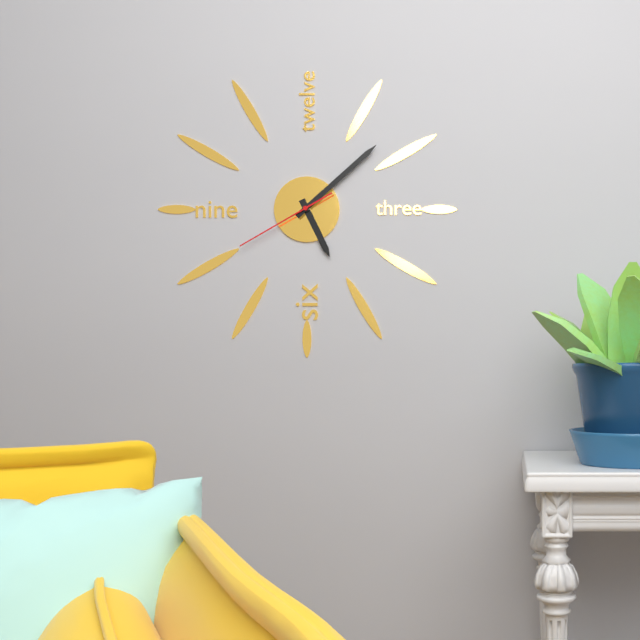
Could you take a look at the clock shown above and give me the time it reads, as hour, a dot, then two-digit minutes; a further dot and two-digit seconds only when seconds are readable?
5.08.40
